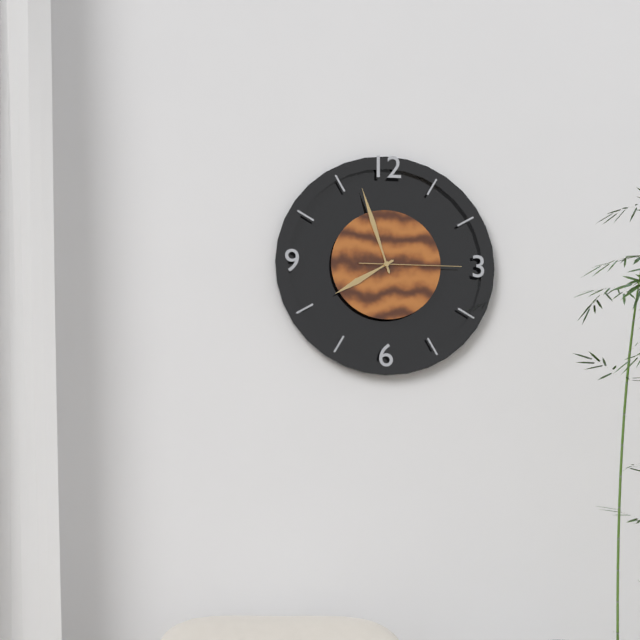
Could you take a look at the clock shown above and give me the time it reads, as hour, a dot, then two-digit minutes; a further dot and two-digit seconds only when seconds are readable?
7.57.15
